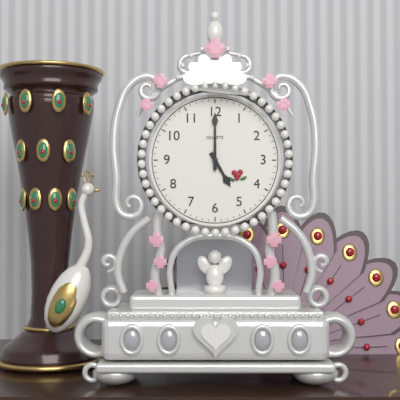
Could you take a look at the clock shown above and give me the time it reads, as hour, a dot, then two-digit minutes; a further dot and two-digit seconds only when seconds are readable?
5.00
